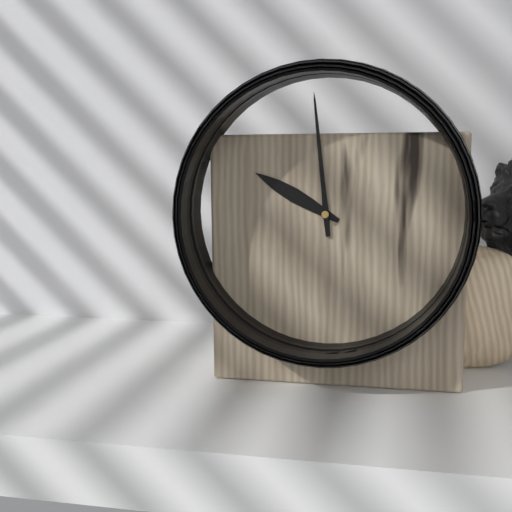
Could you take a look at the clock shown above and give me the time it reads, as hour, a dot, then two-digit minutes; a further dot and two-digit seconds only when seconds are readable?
9.59
